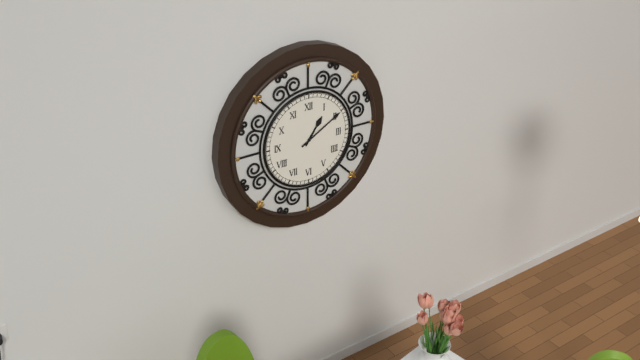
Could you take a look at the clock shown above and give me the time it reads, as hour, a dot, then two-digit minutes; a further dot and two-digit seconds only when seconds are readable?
1.10
